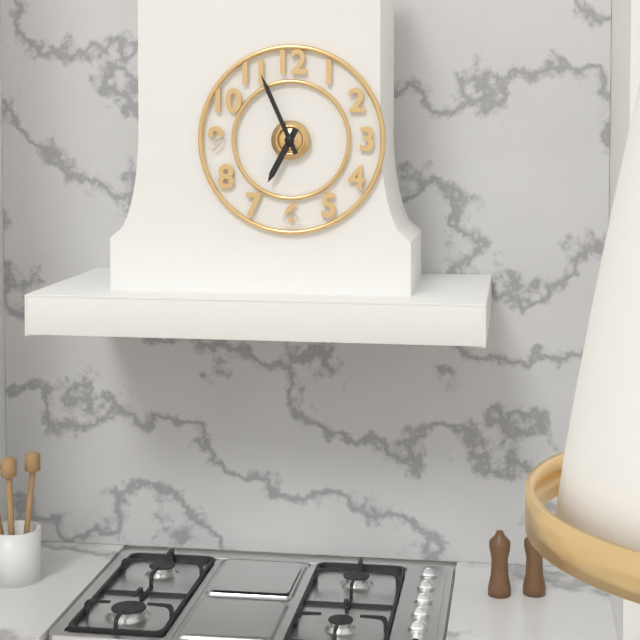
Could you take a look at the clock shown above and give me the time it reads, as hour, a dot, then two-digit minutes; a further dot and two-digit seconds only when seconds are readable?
6.56
